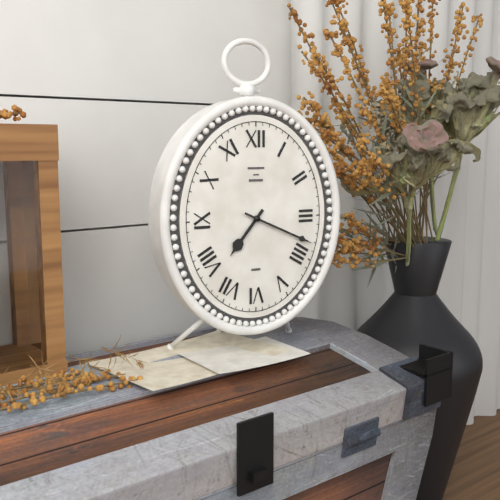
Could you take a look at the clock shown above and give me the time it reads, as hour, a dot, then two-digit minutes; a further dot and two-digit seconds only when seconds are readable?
7.19
